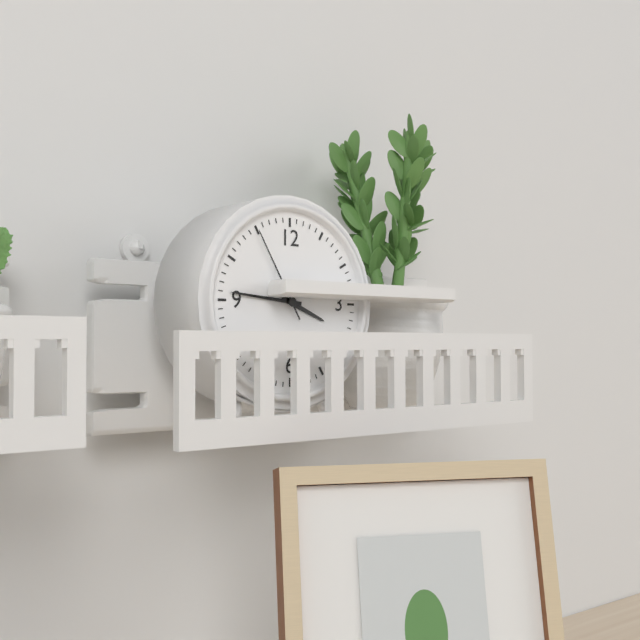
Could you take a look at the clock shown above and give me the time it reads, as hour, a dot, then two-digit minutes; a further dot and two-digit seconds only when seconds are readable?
3.46.55
